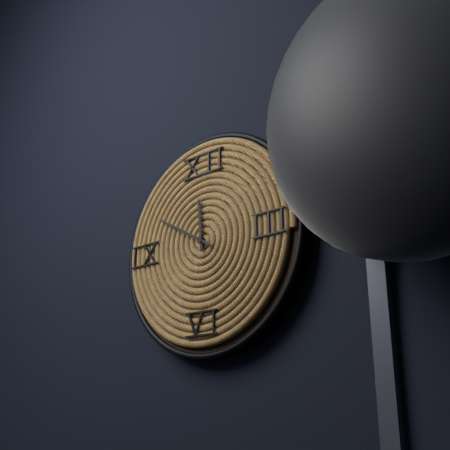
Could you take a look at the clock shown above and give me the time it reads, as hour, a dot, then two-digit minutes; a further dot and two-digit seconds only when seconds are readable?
11.50
